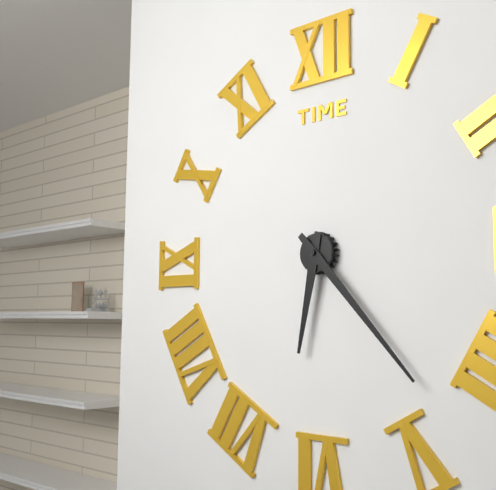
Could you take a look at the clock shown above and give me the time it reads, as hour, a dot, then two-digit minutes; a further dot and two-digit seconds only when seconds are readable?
6.23
